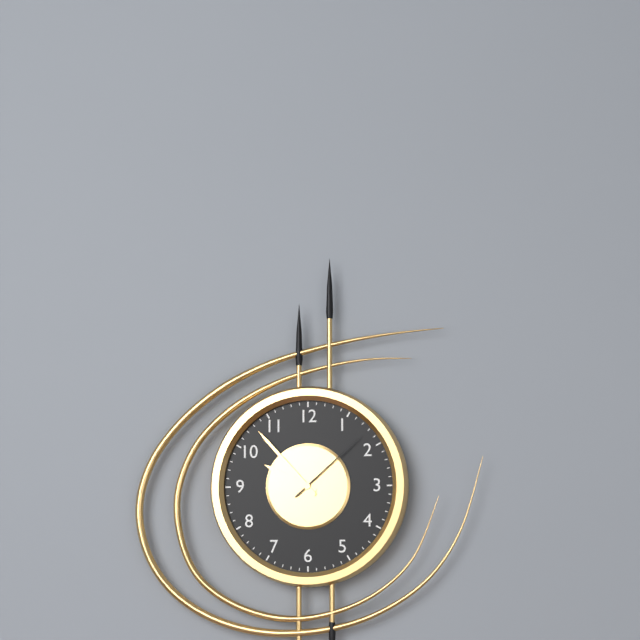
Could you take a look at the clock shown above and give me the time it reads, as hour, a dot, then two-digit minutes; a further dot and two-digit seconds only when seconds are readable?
9.53.08
